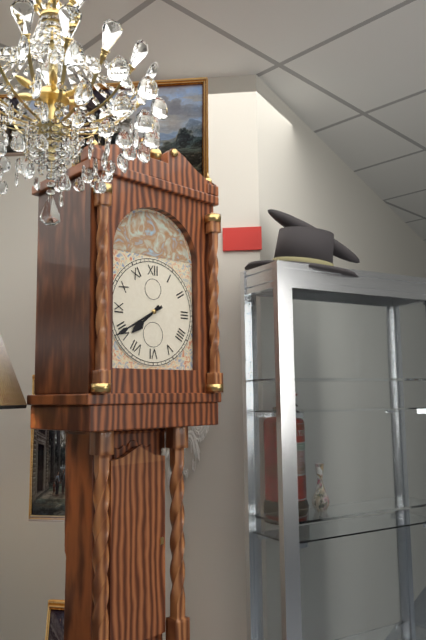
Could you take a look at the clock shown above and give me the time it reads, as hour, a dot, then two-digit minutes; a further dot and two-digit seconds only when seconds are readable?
7.40
